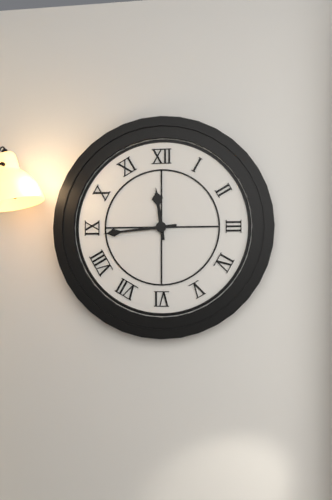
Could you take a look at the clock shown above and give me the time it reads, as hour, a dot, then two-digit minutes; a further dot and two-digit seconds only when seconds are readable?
11.44
